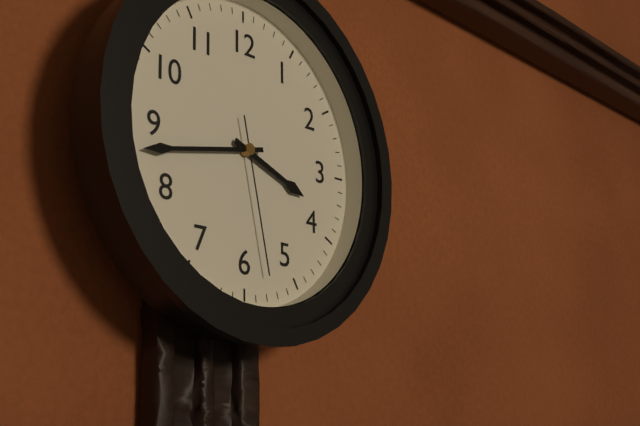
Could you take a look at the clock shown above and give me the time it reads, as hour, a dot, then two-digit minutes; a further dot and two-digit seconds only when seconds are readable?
3.43.28
